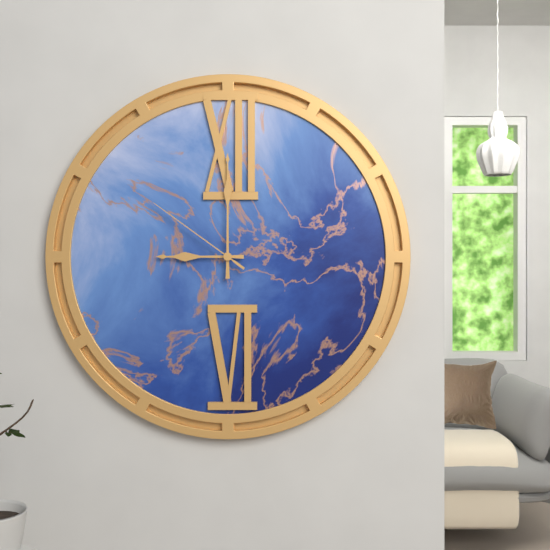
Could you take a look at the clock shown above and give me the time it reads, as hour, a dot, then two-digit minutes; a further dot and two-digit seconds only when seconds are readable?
9.00.51
